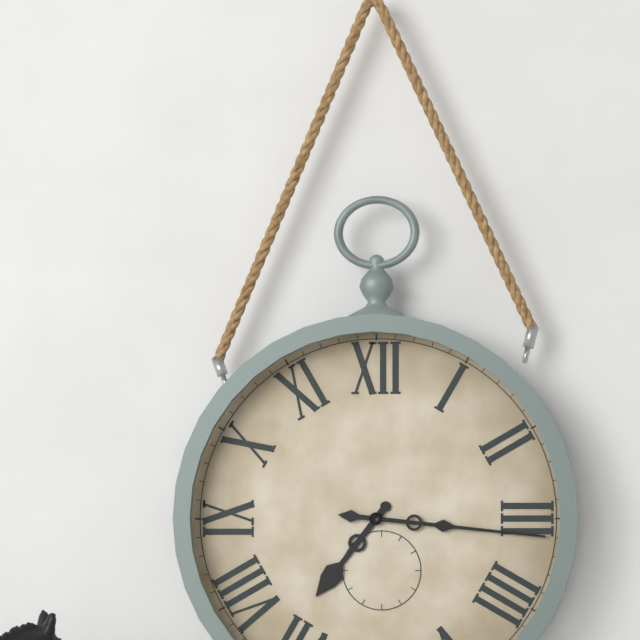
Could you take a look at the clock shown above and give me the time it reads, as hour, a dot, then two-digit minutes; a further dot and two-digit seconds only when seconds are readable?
7.16
